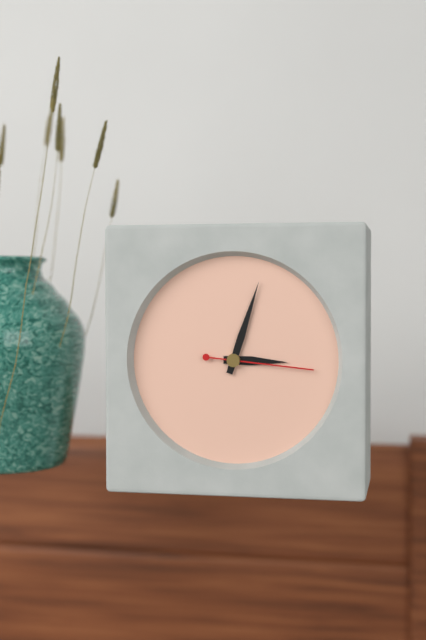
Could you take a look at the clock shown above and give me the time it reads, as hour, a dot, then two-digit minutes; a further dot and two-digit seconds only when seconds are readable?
3.03.16
